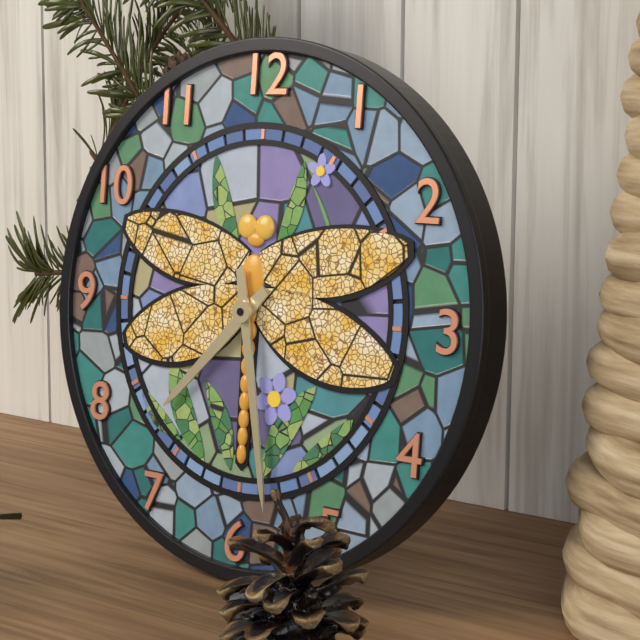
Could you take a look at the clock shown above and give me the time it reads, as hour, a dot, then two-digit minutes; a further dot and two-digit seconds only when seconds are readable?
7.28
